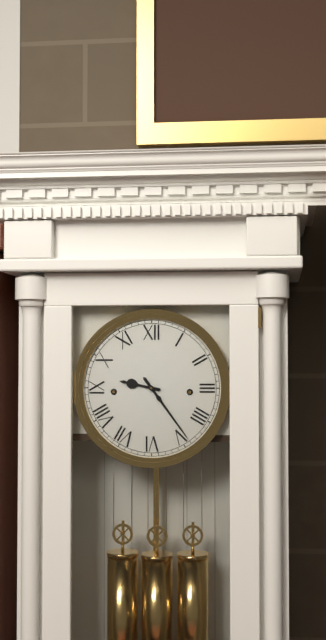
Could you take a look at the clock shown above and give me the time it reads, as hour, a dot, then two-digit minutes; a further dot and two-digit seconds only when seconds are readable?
9.24
